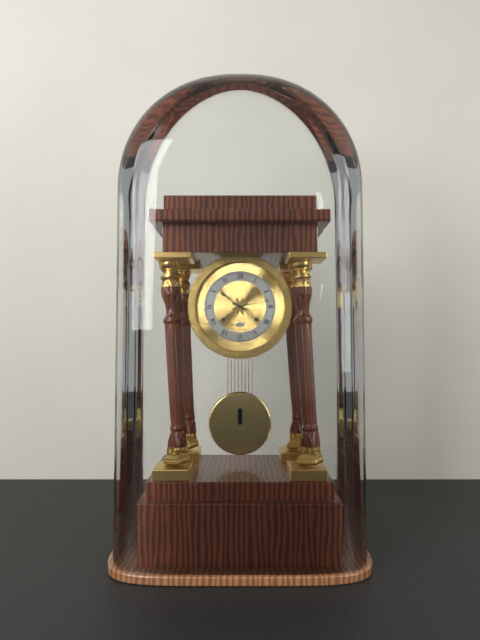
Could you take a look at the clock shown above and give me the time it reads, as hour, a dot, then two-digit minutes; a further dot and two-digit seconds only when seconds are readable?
10.13
